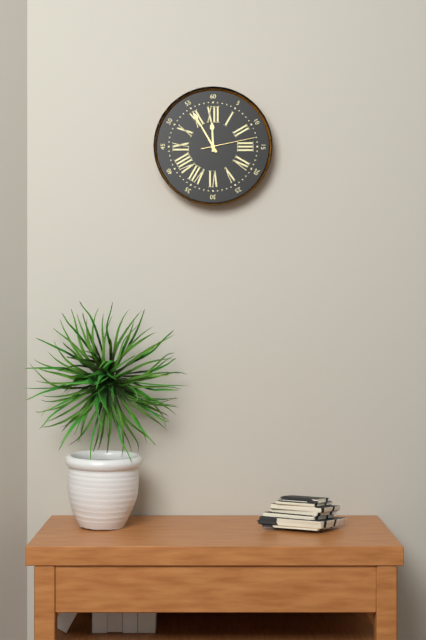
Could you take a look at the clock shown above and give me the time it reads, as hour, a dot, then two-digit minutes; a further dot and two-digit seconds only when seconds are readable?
11.55.13
